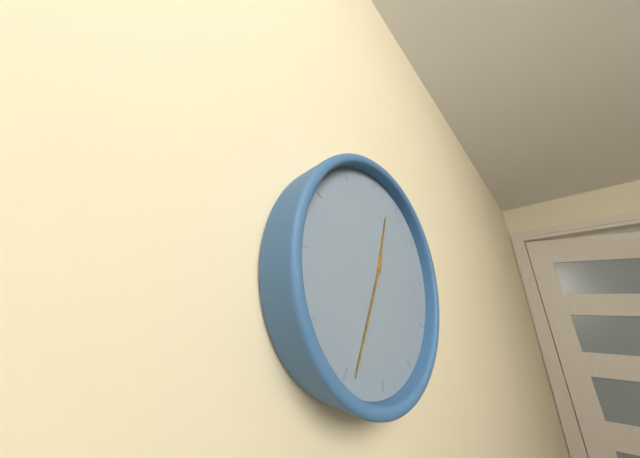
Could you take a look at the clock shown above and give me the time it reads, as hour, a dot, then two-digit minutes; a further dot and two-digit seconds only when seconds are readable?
12.34
